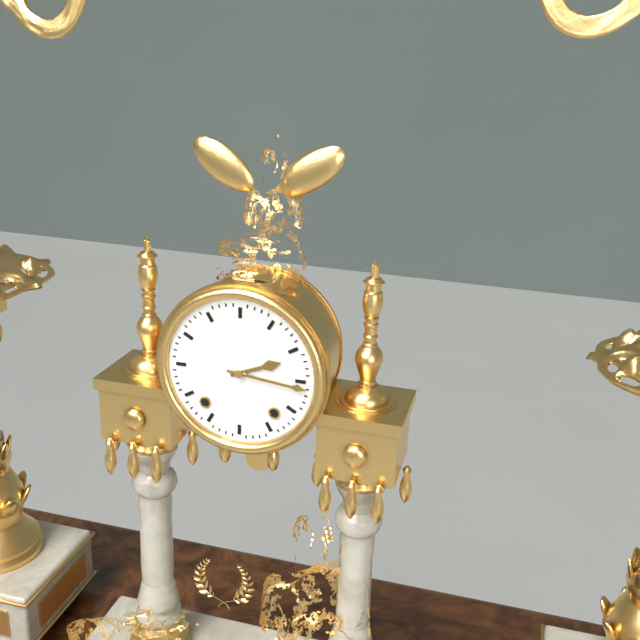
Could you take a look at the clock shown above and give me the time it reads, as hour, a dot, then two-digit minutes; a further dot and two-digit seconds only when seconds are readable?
2.16
